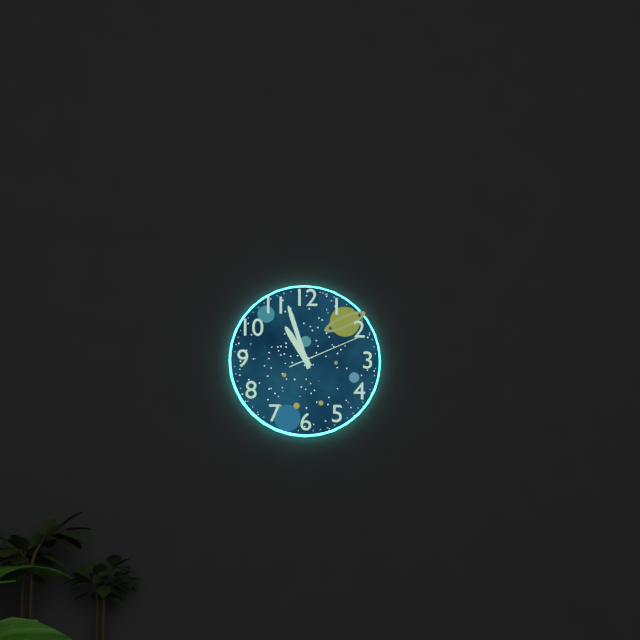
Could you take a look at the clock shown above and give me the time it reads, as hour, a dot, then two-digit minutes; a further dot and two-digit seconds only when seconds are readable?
10.57.11
